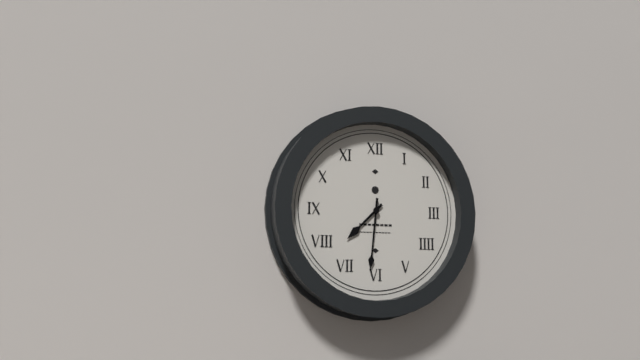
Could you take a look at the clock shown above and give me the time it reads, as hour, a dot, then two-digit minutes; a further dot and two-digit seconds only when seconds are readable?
7.31
